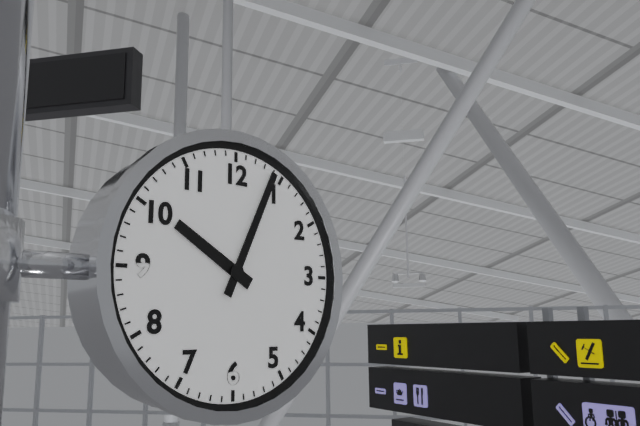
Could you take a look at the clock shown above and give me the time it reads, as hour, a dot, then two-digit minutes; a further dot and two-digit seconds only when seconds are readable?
10.04
